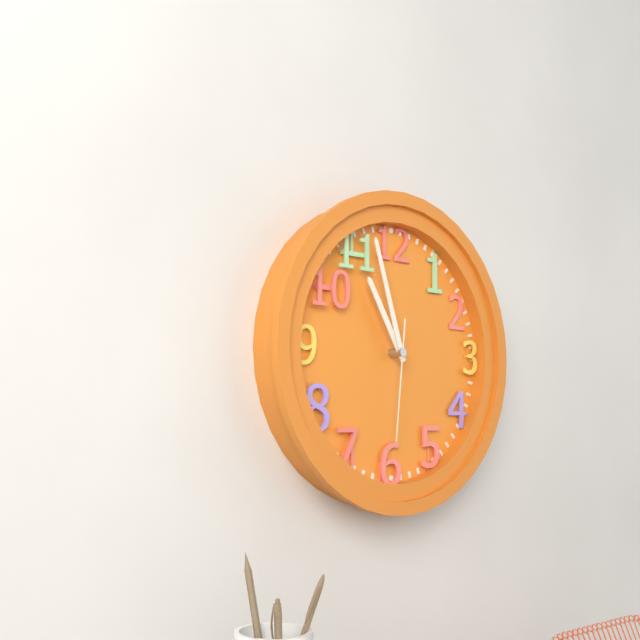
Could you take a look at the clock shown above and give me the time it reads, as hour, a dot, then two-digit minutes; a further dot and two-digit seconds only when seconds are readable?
10.57.31
